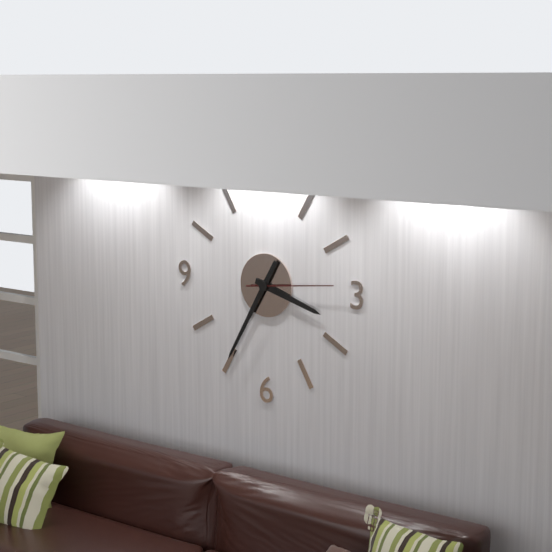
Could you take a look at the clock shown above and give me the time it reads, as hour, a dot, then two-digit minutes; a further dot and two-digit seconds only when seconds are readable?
3.35.14
